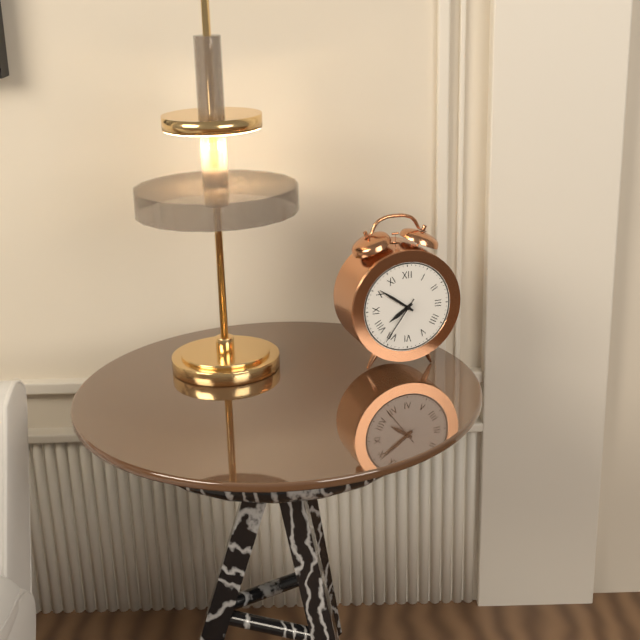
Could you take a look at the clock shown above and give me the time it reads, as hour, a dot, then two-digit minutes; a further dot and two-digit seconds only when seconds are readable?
7.51.36
